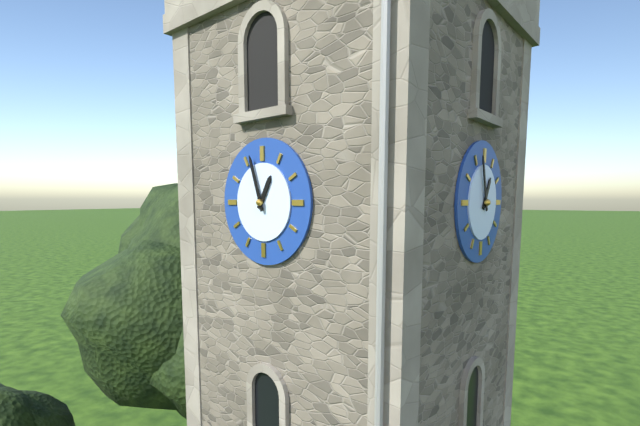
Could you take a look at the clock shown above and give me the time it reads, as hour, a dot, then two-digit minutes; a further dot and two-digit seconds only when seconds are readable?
12.57
